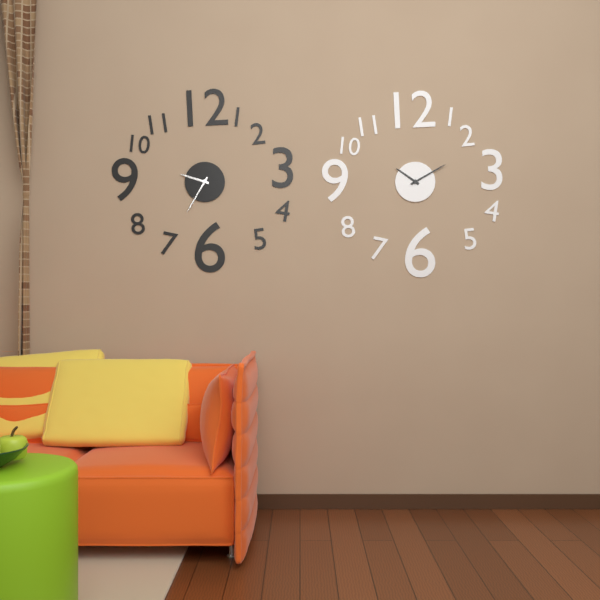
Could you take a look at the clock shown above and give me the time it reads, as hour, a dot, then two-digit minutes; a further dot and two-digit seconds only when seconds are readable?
9.35
